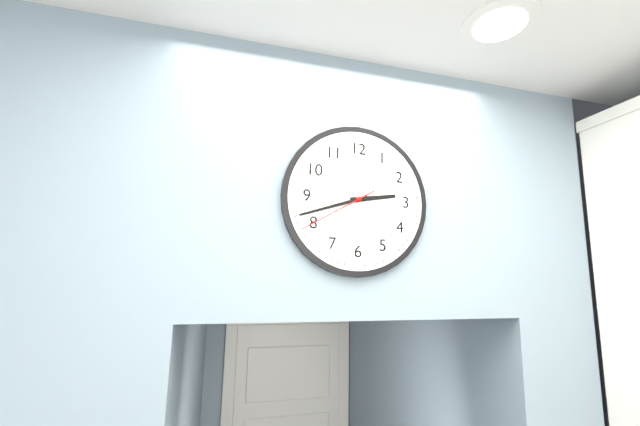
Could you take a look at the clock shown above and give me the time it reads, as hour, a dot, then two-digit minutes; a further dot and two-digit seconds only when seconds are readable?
2.42.40
